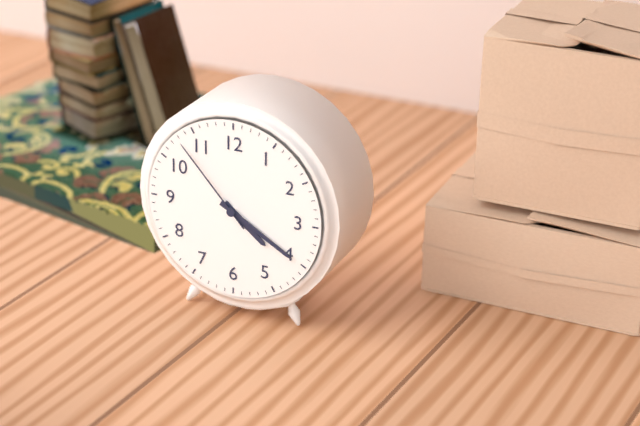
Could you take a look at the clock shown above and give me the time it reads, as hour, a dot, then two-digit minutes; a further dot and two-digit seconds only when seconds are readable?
4.20.53
